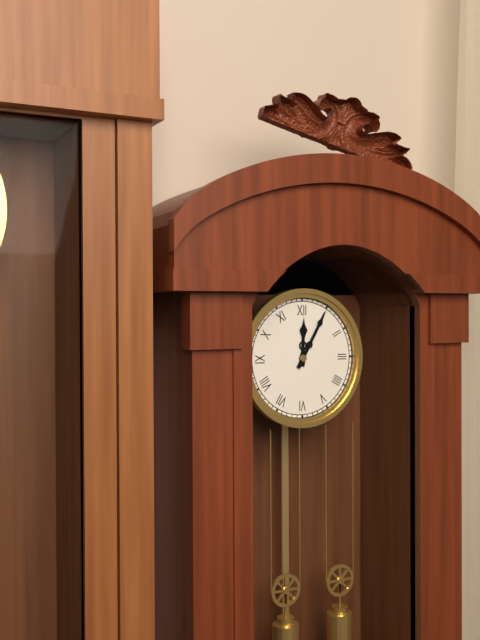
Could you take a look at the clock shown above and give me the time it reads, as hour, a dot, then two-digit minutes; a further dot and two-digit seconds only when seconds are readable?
12.05
